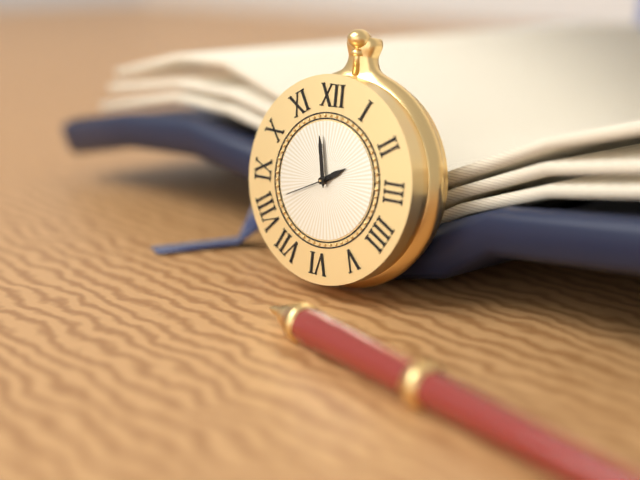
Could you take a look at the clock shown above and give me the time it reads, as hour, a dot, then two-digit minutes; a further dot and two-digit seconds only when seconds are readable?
1.58.41
